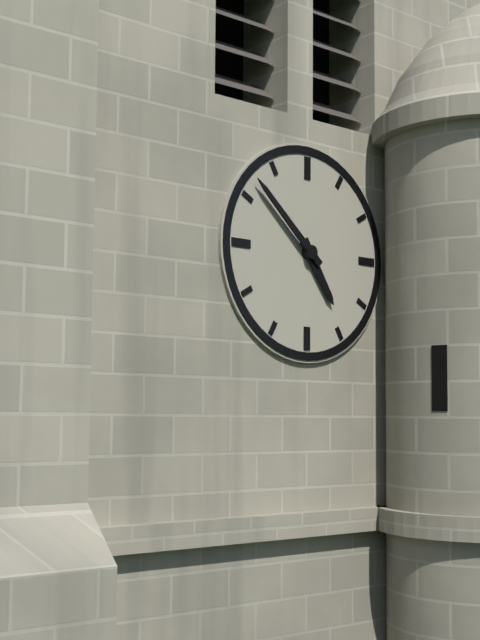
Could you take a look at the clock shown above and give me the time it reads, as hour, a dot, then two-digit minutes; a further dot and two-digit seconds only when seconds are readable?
4.52
